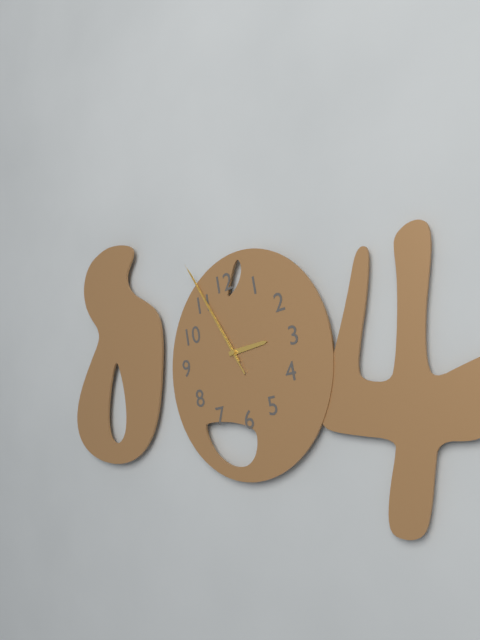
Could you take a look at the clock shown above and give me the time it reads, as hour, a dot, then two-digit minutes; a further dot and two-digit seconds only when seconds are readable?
2.56.56
